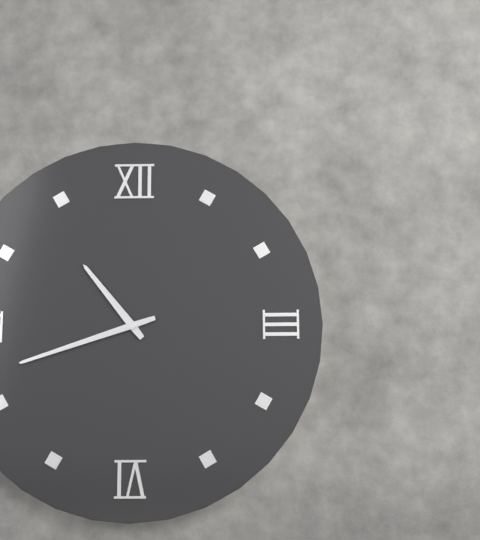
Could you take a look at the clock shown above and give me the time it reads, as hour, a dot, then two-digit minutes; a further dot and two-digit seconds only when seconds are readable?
10.42
